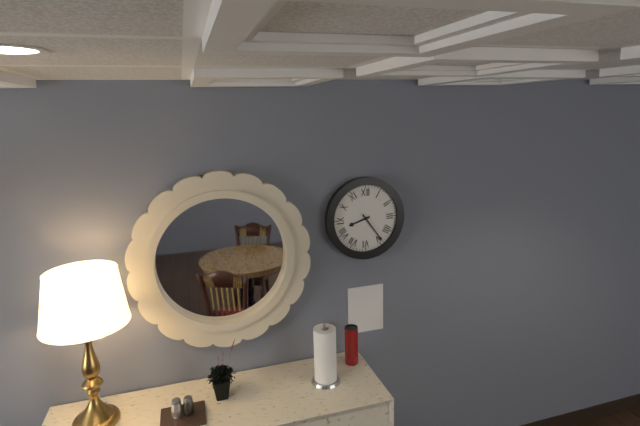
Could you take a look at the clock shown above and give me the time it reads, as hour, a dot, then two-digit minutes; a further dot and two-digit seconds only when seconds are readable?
8.24
